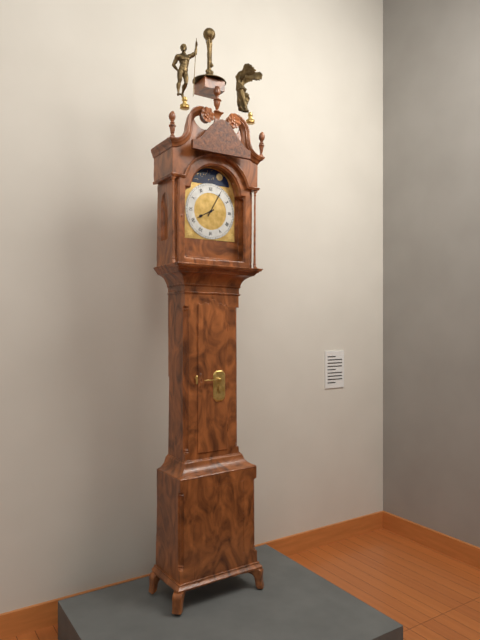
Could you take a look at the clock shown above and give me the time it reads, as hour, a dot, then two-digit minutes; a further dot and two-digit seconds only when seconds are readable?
8.05
